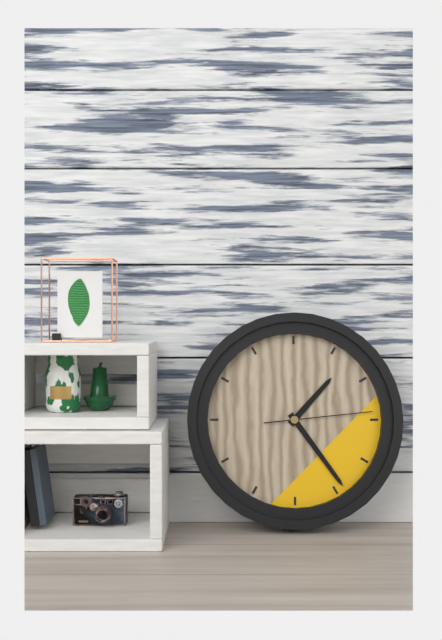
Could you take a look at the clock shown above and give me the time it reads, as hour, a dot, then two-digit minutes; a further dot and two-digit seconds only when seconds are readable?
1.24.14
